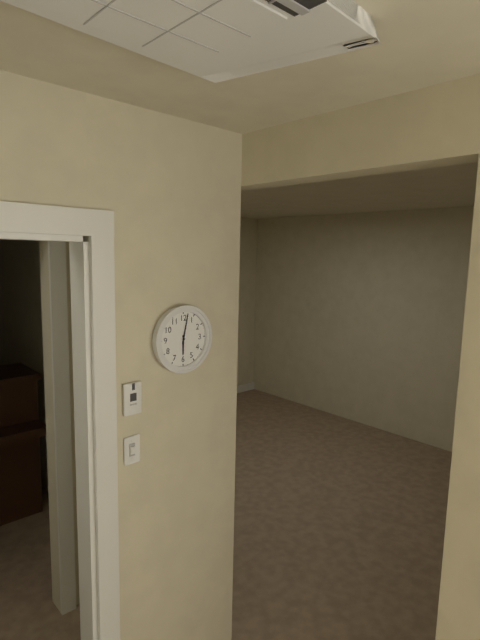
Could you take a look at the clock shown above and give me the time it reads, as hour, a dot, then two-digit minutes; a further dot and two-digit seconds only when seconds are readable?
6.02
